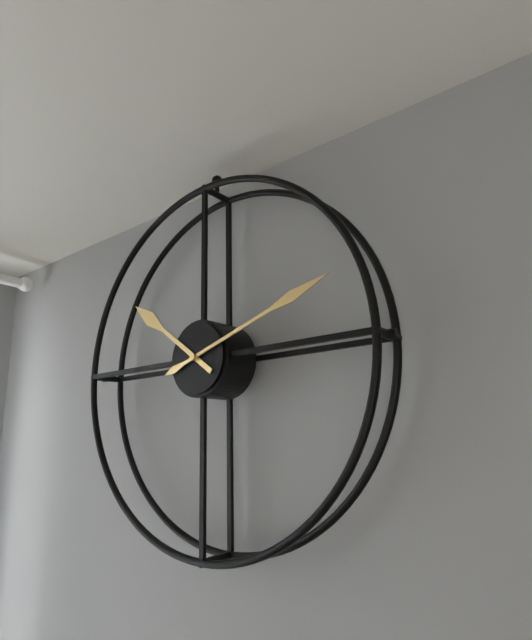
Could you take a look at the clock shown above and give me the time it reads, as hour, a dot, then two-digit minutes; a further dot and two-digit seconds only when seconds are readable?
10.12
